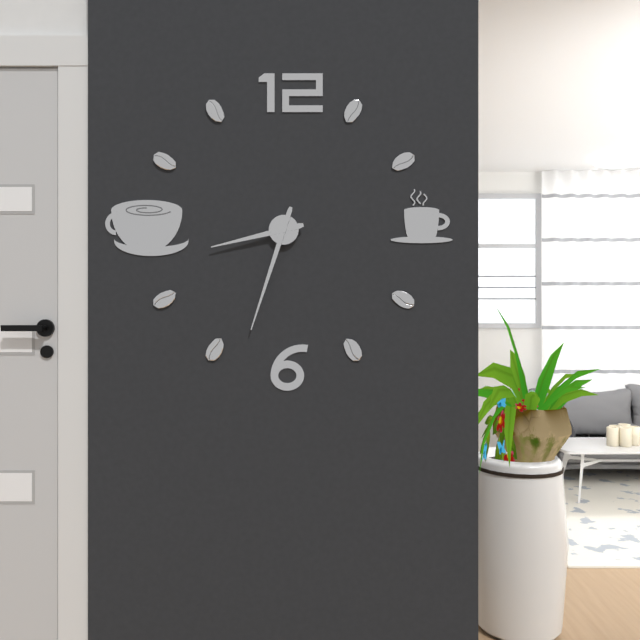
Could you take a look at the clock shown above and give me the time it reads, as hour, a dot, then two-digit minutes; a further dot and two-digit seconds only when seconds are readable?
8.33
